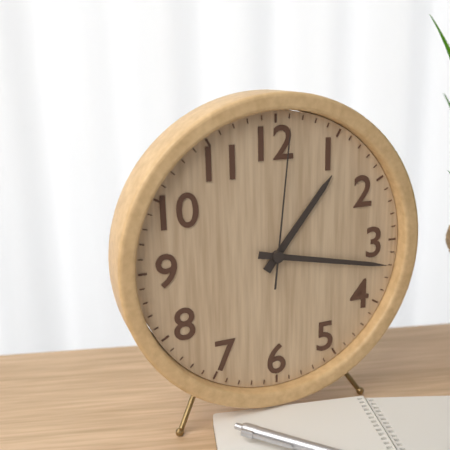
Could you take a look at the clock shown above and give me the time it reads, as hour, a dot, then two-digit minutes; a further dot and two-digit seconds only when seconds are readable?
1.17.01
